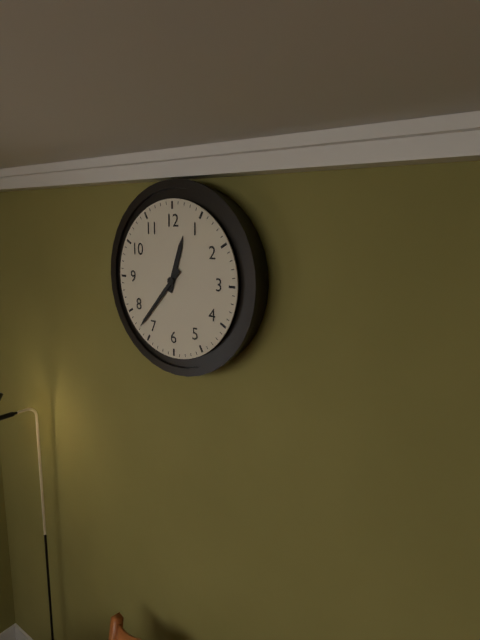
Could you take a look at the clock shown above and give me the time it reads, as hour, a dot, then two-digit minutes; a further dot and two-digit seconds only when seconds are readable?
12.37
